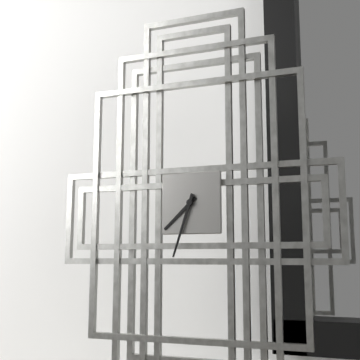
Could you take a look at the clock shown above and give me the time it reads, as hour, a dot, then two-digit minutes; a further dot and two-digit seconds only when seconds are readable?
7.33
